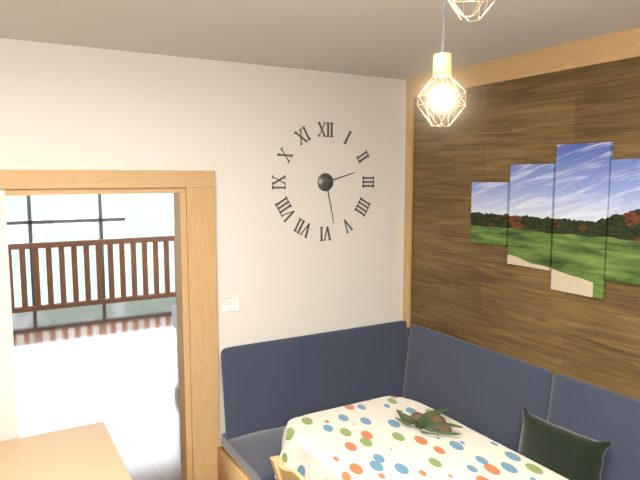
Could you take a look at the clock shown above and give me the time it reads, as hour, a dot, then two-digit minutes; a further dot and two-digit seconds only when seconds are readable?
2.28
